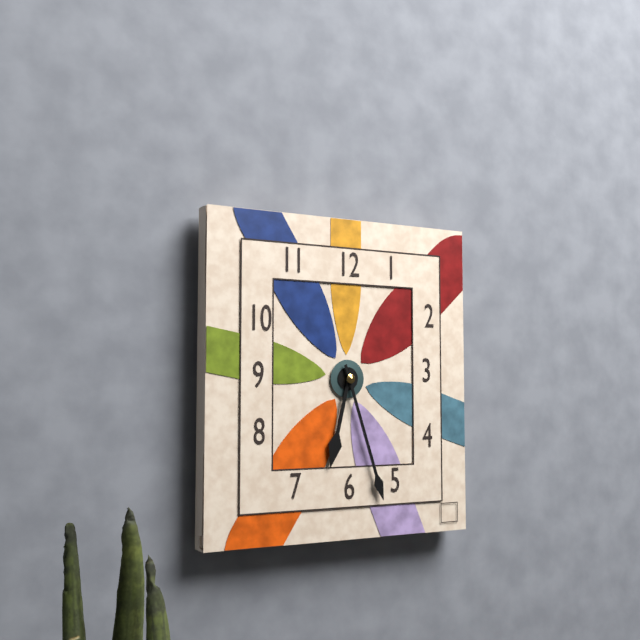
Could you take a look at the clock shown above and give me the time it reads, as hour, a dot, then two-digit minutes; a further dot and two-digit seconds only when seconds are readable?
6.27
